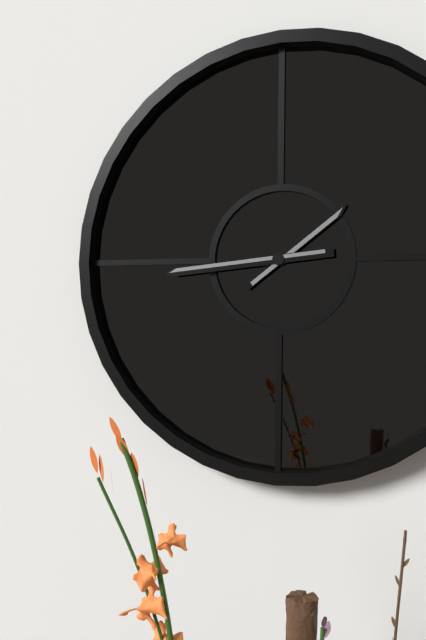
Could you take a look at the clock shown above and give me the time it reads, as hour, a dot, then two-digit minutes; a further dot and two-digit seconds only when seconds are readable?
1.44
